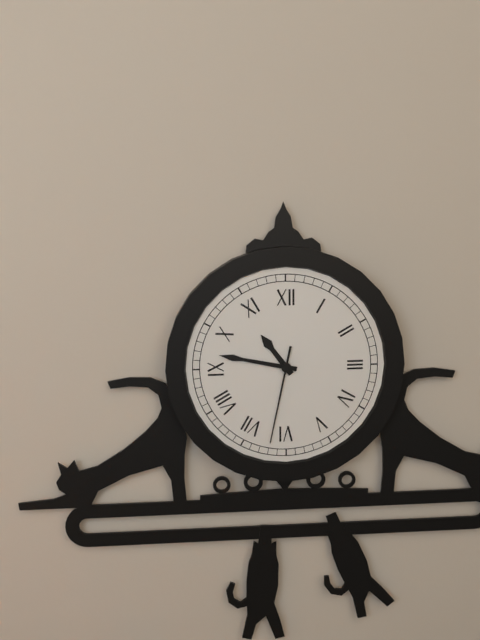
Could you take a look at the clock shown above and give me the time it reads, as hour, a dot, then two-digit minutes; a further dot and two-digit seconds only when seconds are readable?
10.47.32
